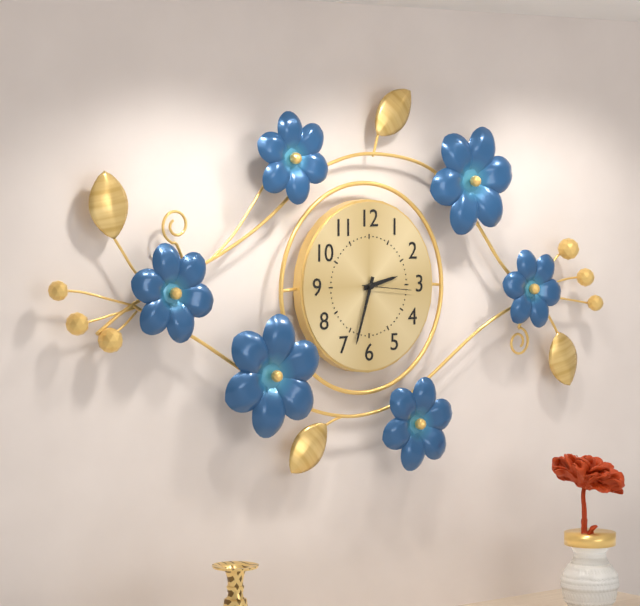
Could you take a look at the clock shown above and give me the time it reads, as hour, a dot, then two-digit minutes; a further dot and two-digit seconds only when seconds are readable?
2.33.16
